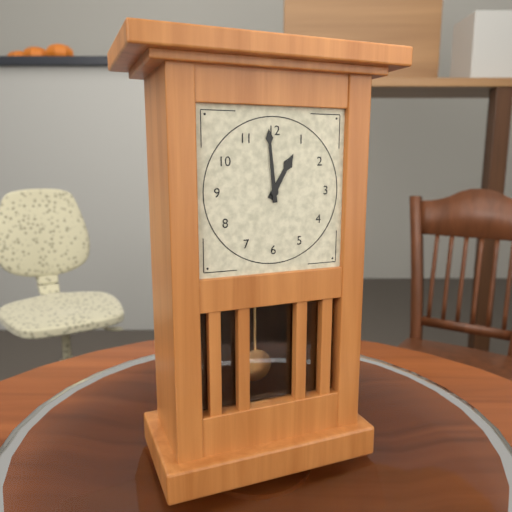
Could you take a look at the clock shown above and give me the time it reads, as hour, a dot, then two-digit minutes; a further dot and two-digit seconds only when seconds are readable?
12.59
